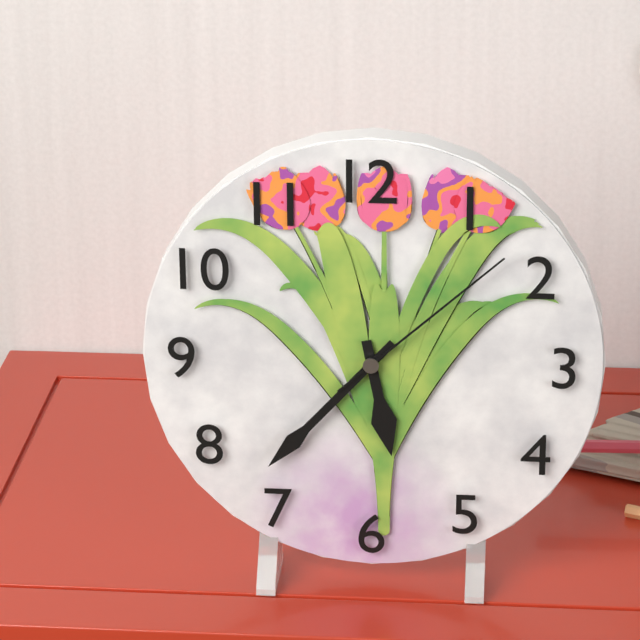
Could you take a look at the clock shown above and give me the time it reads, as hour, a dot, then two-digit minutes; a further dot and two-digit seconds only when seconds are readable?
5.37.08
